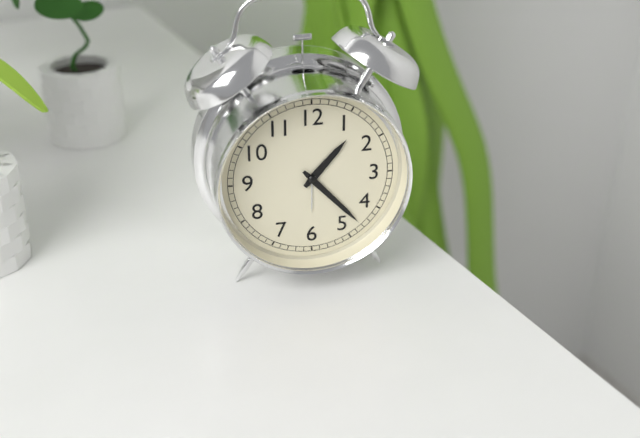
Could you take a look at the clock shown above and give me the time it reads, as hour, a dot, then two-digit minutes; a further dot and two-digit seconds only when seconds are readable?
1.23
